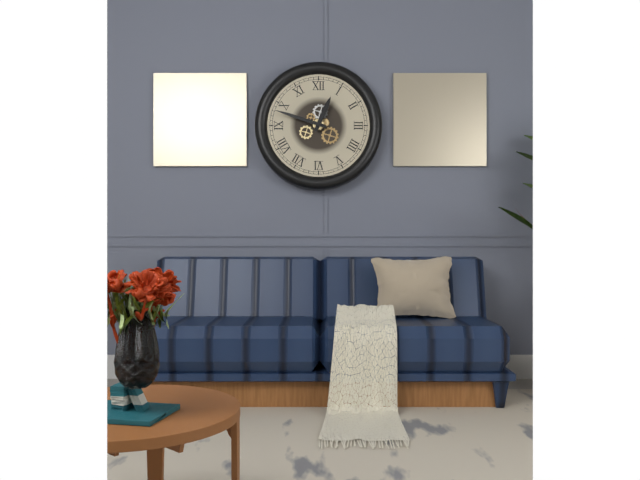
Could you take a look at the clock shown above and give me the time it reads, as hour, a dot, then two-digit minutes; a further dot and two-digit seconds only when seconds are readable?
12.48
